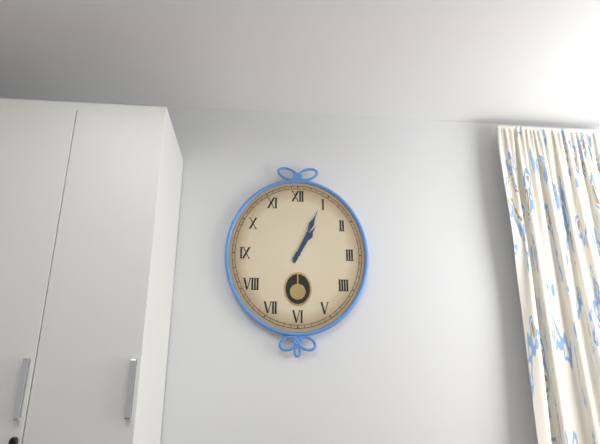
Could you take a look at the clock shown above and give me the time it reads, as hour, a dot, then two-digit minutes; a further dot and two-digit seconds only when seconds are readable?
1.04
